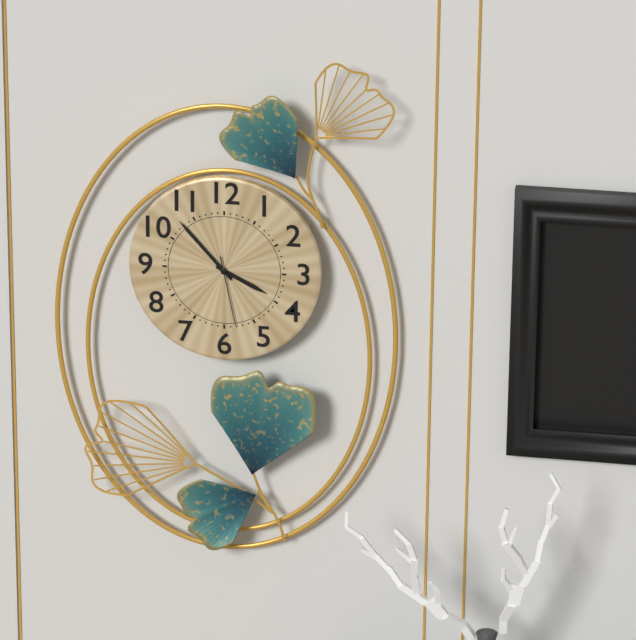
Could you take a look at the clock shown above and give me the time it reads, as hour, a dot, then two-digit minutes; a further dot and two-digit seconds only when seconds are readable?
3.53.28
